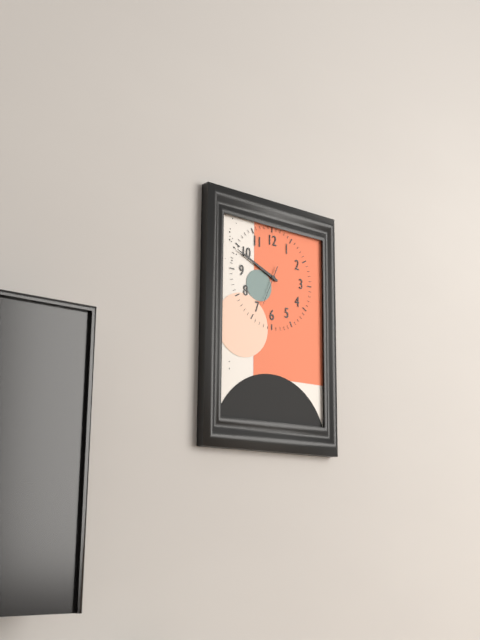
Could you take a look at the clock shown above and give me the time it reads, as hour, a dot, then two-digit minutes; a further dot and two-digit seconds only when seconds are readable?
9.49
